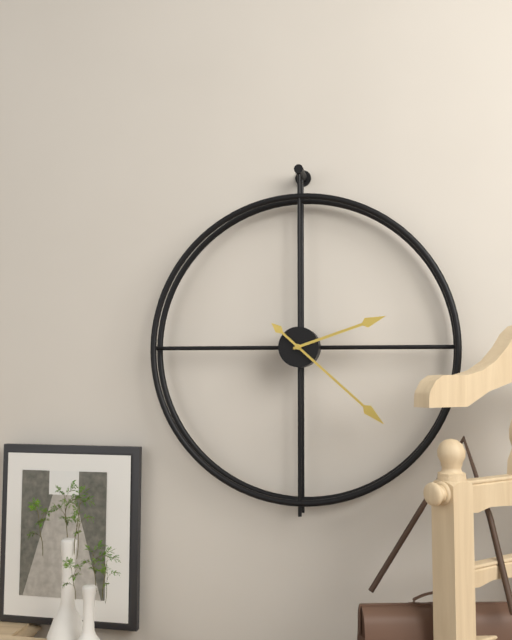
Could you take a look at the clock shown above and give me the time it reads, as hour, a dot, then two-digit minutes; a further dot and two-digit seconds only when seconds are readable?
2.22
